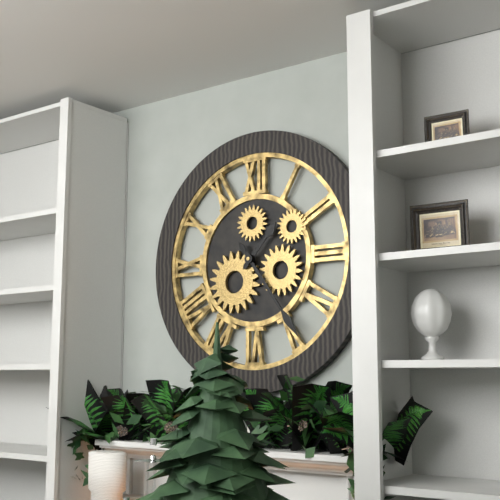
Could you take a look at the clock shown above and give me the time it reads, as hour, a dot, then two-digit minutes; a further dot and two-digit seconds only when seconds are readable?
1.24
